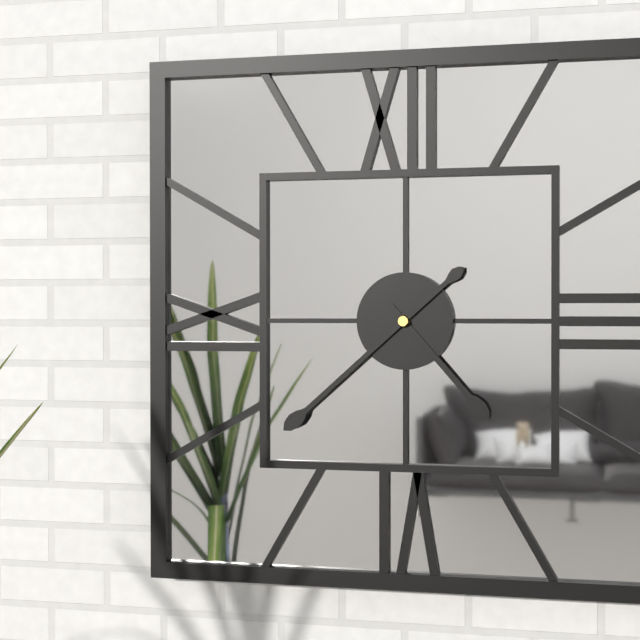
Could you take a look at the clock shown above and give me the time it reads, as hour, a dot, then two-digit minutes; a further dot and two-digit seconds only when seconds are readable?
4.38
